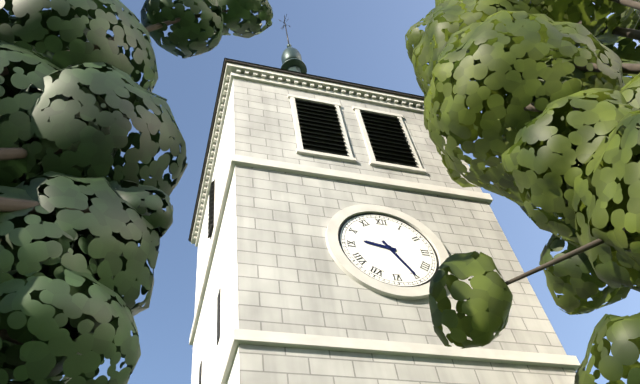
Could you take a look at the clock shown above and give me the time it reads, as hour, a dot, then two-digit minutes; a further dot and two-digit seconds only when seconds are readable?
9.25
